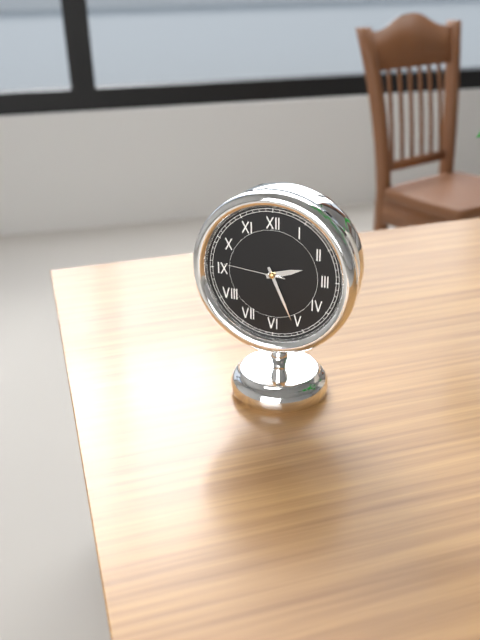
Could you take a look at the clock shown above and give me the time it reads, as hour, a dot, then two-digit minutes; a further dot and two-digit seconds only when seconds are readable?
2.26.46
